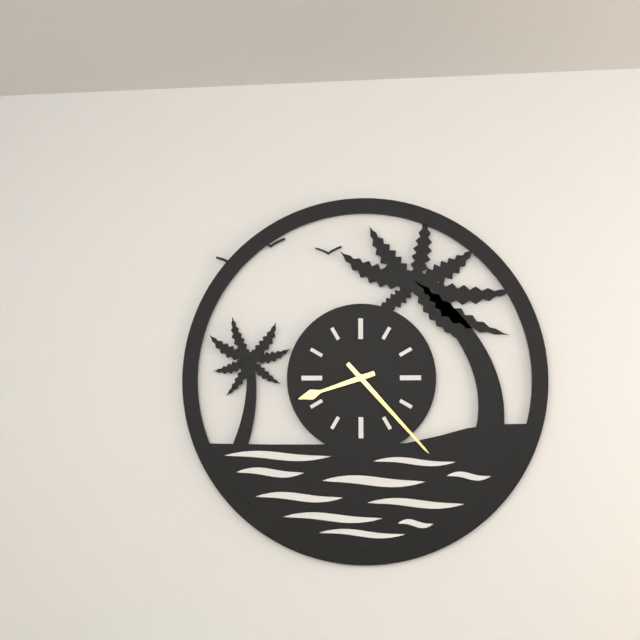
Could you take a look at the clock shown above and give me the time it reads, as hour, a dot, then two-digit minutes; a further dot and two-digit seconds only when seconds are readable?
8.23
